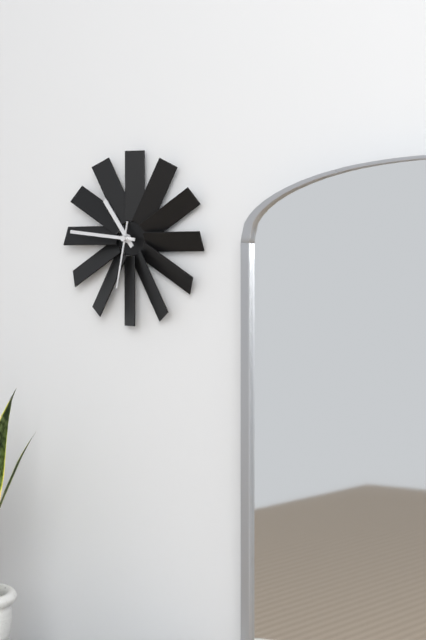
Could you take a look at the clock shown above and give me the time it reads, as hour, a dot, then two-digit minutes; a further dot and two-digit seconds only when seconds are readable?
10.46.32
